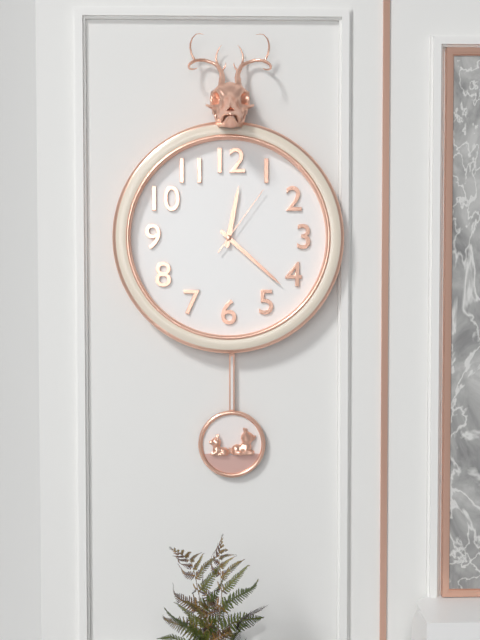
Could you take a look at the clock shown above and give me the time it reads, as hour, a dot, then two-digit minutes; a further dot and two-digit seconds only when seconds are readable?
12.22.06
